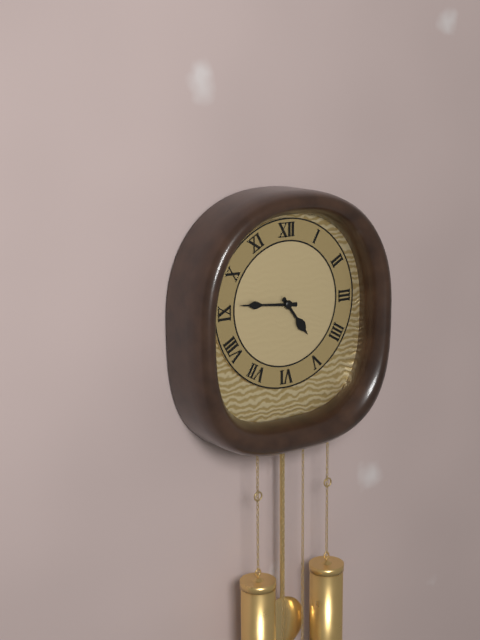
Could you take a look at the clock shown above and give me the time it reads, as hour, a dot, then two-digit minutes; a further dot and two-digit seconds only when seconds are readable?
4.46
